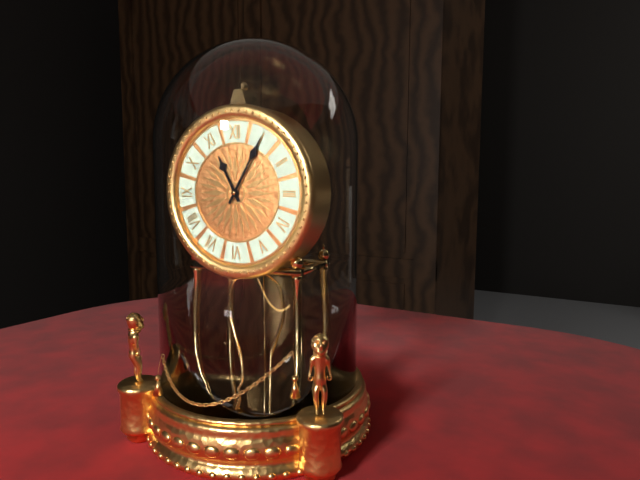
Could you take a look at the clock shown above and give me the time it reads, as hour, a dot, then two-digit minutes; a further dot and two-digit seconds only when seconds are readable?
11.05
